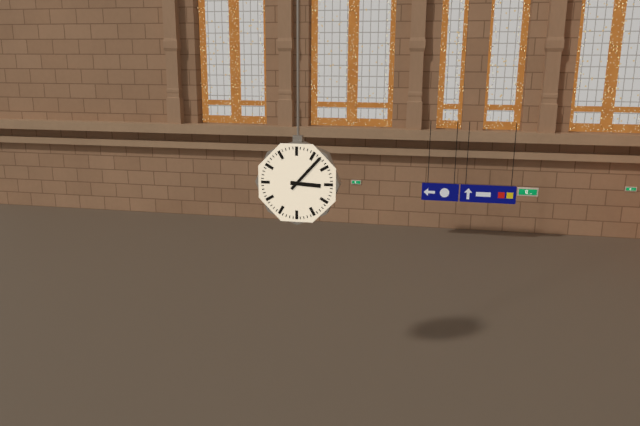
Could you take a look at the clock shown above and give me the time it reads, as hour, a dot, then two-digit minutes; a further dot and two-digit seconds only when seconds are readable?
3.07
